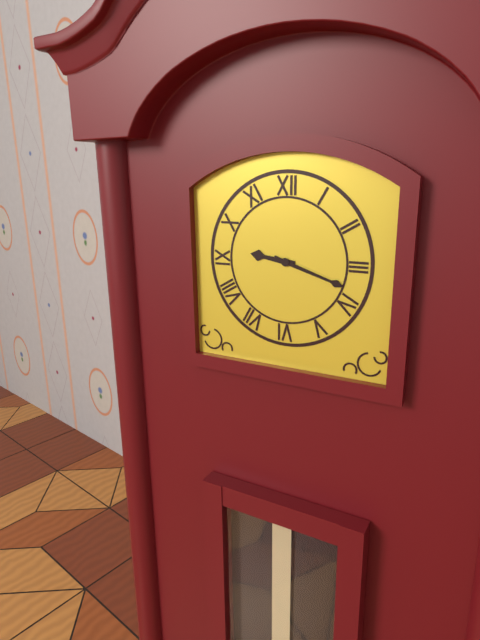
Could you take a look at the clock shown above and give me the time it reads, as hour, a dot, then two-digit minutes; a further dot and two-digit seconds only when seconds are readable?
9.18
